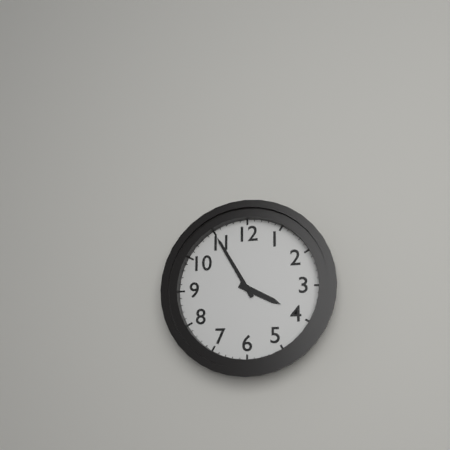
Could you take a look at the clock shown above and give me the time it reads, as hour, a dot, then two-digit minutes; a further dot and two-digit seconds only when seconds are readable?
3.55
